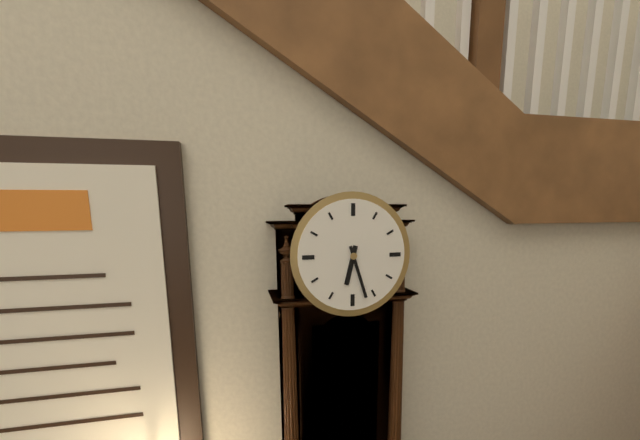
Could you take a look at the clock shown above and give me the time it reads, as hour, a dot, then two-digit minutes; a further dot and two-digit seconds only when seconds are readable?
6.27
